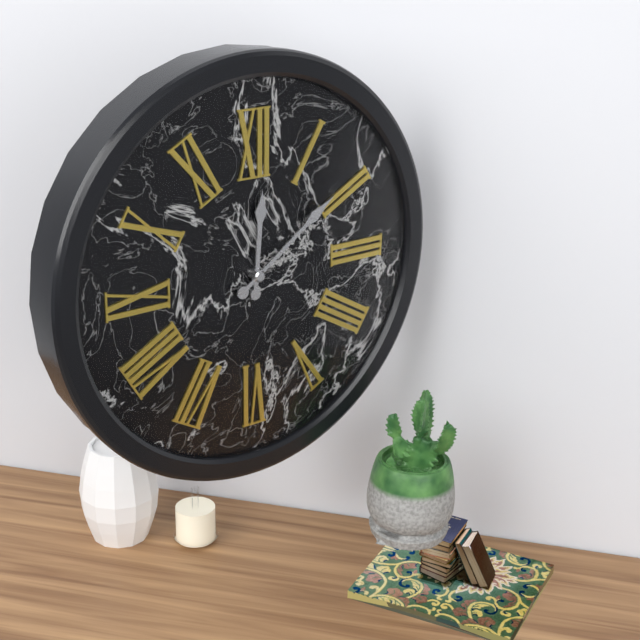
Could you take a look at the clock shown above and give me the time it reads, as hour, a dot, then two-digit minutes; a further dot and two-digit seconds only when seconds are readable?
12.09
